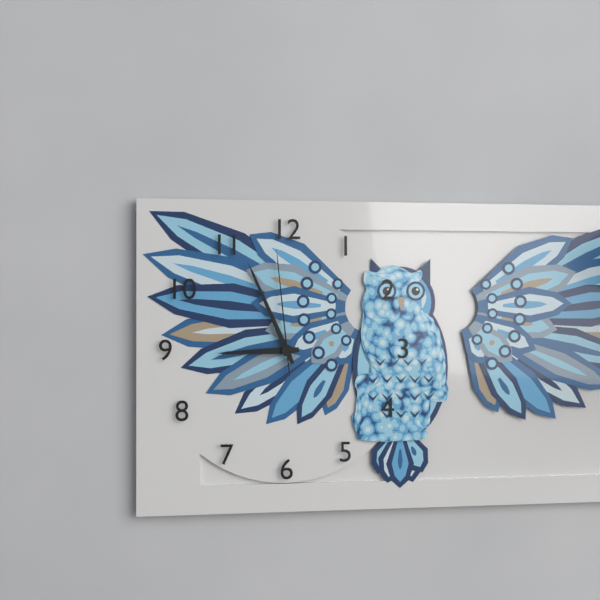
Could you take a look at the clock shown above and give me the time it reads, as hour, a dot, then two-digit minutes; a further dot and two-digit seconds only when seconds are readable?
8.56.59
